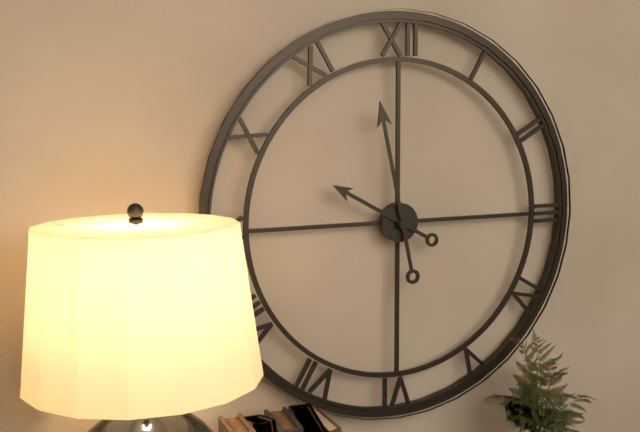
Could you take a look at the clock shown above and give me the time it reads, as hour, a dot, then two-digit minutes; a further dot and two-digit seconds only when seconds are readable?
9.58
